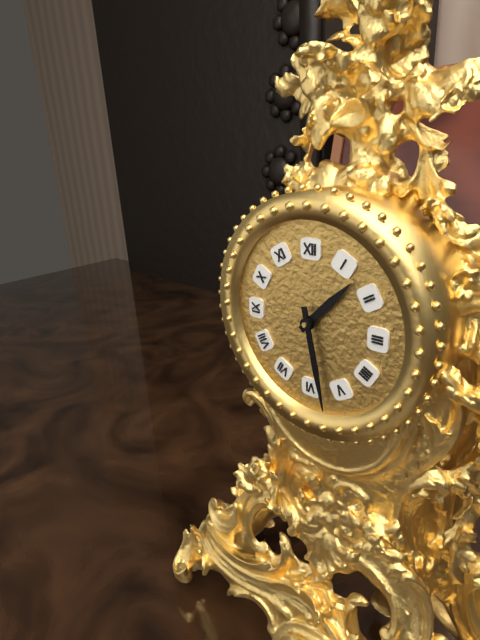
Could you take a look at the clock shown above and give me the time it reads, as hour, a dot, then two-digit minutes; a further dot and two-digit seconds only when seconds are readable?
1.28
